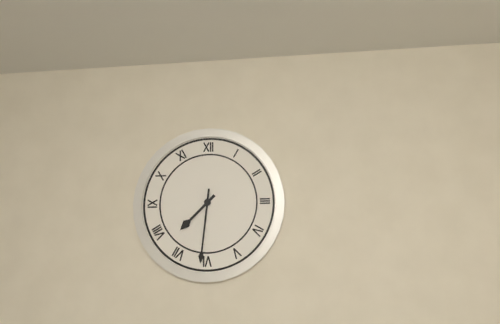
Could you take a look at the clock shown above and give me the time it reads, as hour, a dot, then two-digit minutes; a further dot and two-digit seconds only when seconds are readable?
7.31
